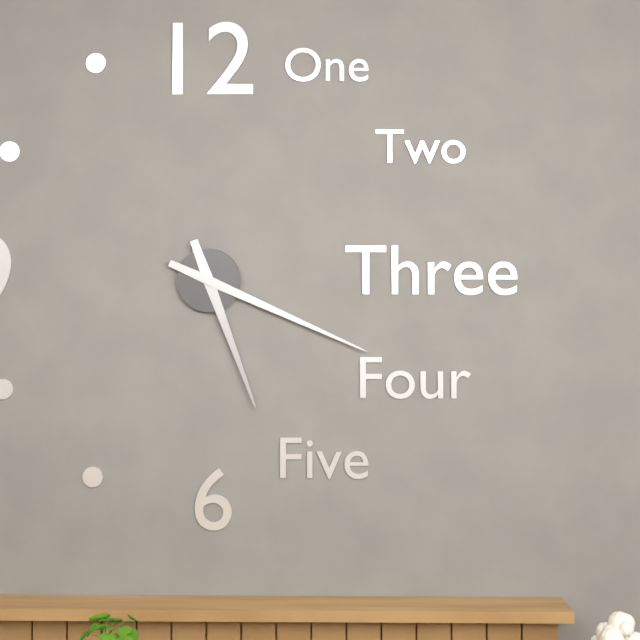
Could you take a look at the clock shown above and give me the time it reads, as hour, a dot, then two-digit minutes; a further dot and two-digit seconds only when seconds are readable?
5.19
